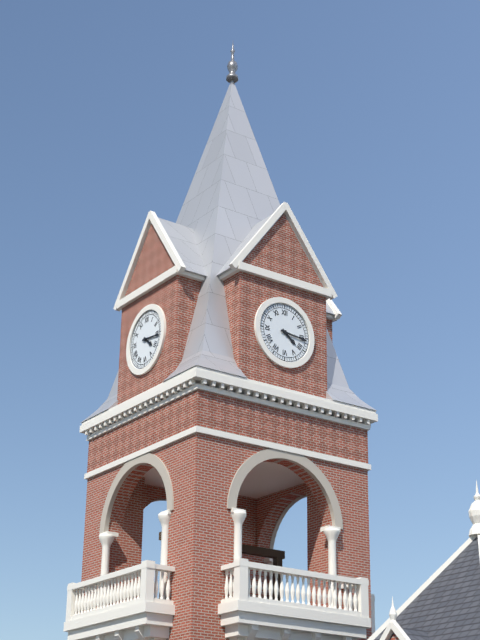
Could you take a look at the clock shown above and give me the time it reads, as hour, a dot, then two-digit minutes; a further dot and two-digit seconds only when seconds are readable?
4.16
